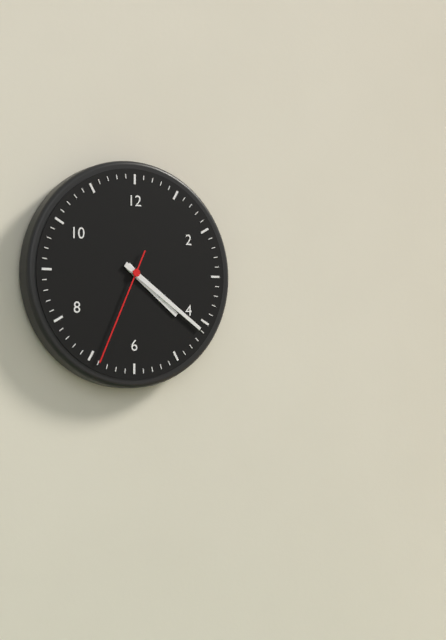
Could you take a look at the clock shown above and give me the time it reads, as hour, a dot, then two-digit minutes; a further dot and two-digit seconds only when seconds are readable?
4.21.34
